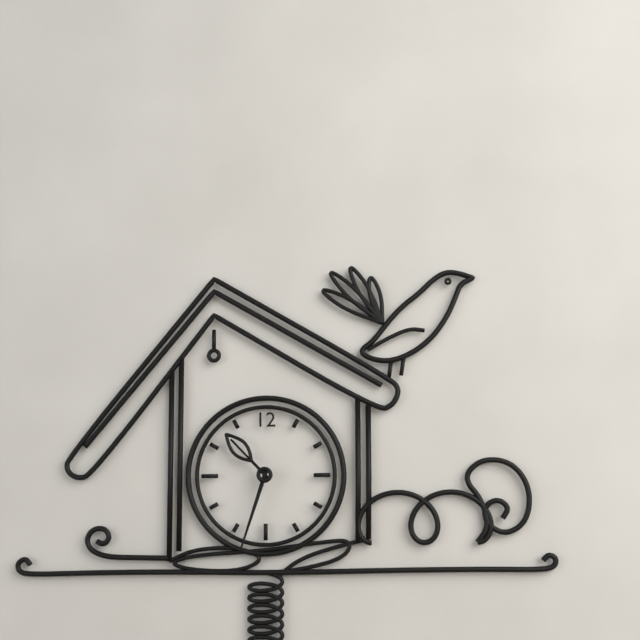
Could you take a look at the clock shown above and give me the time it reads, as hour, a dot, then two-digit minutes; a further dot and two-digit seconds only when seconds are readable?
10.33
